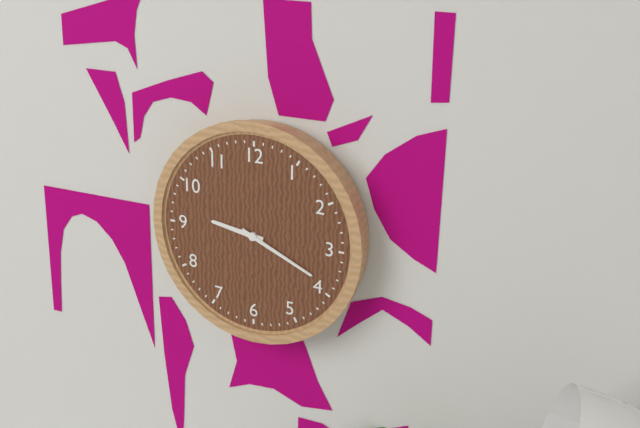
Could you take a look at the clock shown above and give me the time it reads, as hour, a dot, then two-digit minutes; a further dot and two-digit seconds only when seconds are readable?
9.19
